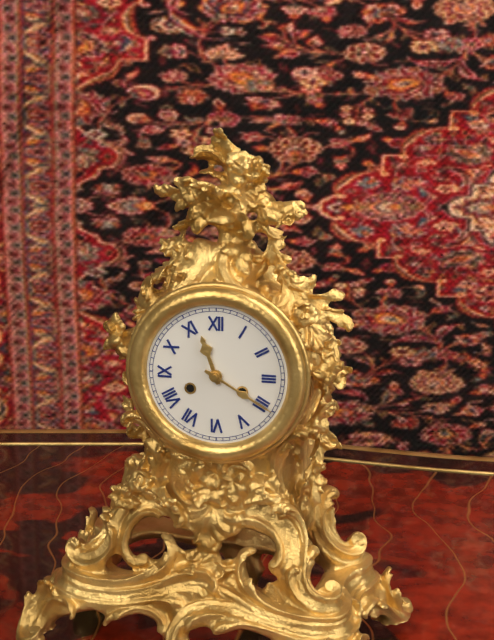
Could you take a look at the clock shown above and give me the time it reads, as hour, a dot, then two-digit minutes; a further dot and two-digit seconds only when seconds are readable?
11.20
